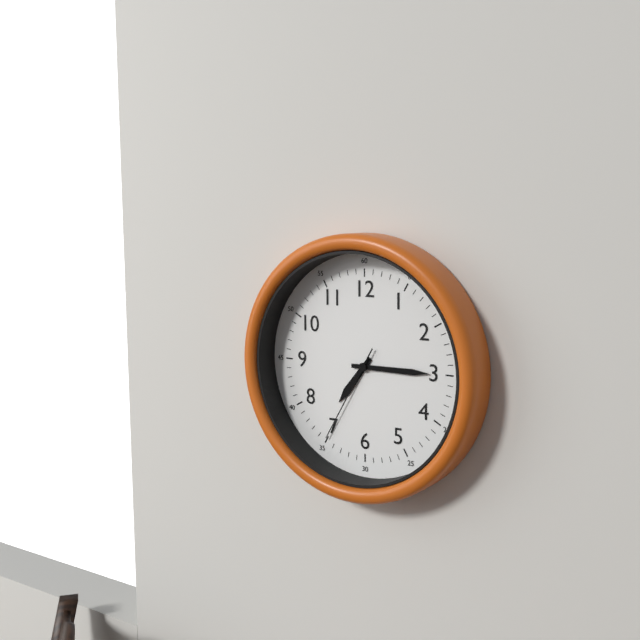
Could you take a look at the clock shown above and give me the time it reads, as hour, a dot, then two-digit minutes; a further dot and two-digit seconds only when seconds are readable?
7.15.35
